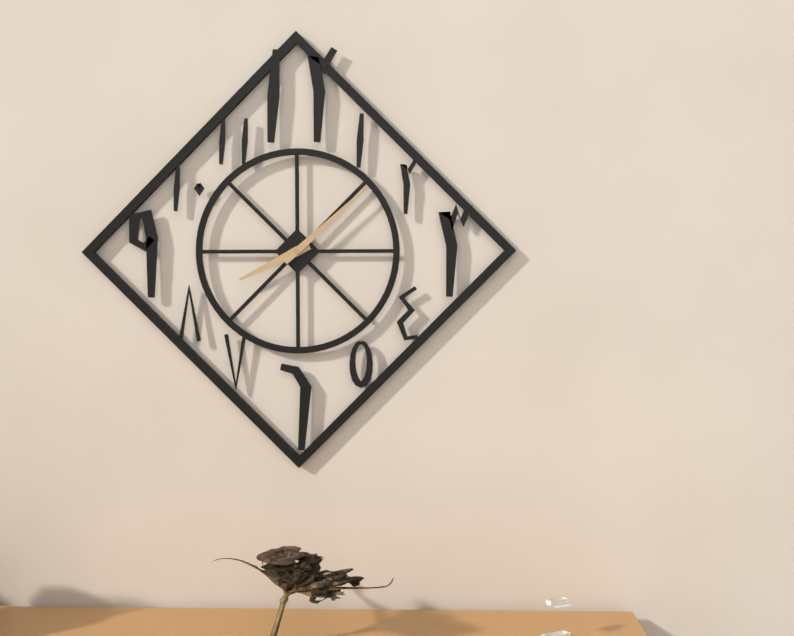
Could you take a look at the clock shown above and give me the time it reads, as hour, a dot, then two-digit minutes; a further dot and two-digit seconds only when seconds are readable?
8.08
